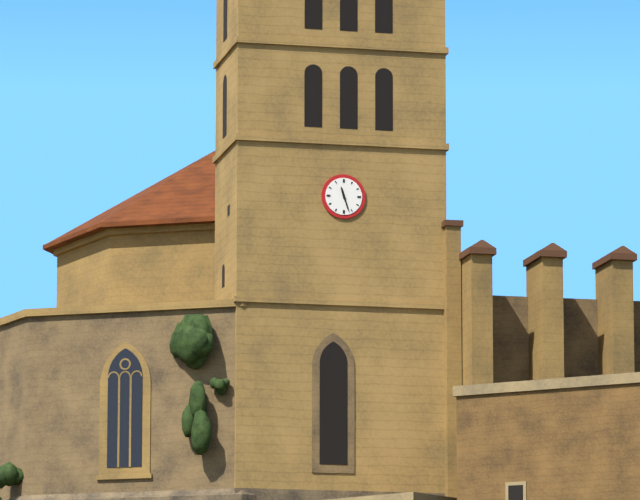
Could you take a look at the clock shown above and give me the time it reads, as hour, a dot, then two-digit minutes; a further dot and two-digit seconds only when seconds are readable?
11.27
